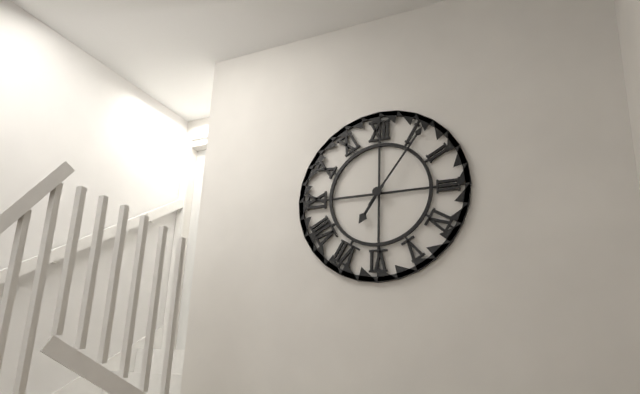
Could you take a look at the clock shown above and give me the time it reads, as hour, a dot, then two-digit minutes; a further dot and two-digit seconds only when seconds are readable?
7.06
